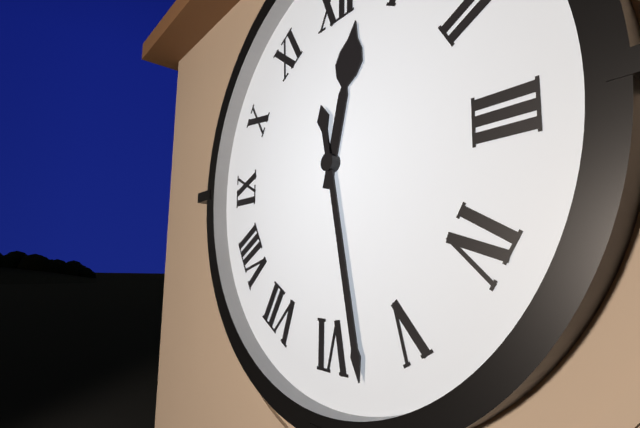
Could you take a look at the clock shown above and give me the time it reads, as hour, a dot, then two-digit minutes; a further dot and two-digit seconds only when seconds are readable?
12.28
